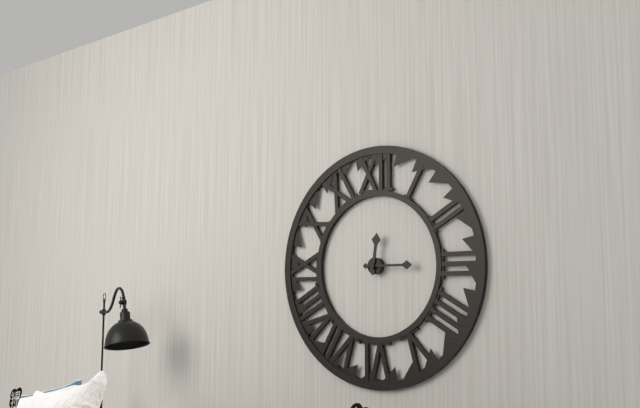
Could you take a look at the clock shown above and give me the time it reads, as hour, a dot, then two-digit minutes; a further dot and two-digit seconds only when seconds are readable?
12.15
